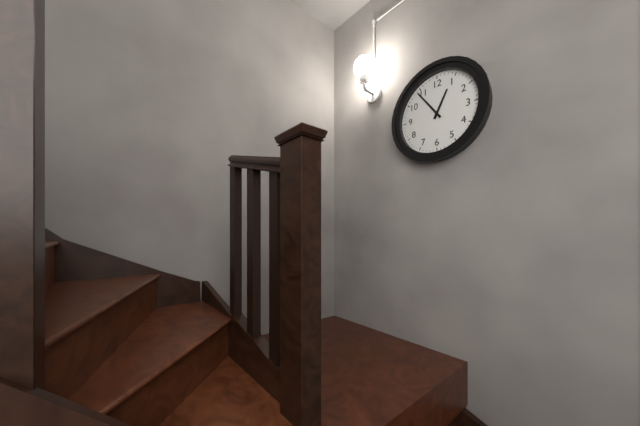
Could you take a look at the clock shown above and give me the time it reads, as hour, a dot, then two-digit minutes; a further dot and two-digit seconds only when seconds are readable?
12.54
